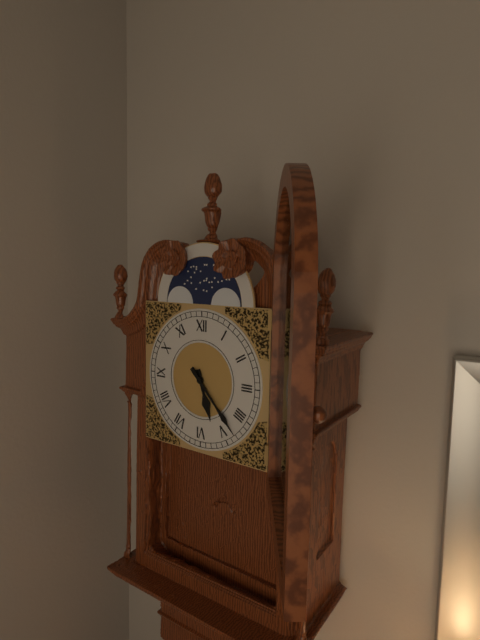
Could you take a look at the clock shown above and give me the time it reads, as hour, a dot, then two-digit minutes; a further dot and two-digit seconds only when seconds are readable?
5.23
